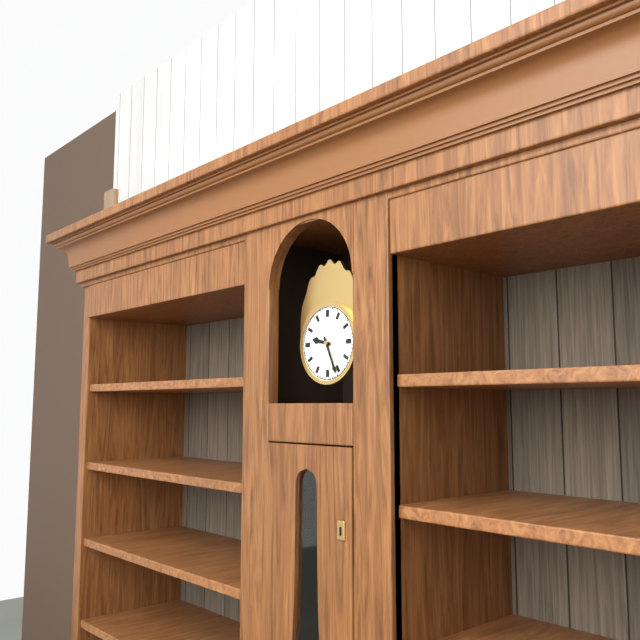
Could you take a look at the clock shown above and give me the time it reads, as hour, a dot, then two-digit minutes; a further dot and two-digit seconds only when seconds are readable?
9.26
